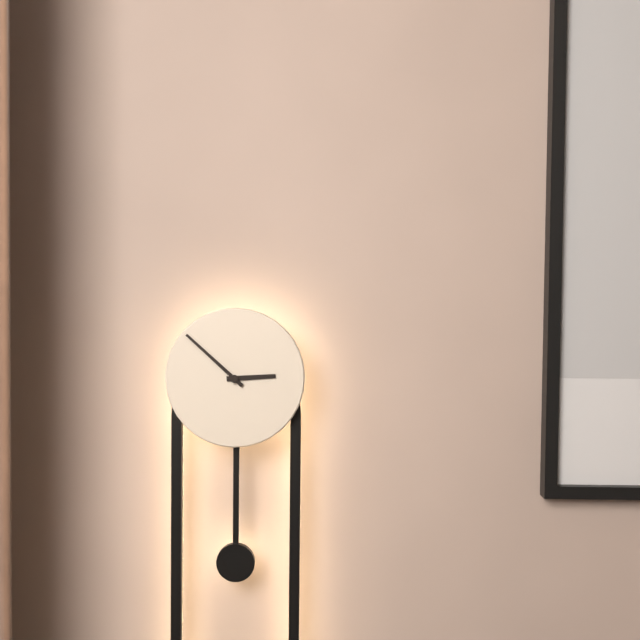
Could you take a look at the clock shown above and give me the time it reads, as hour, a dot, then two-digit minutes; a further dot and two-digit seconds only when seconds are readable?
2.52
